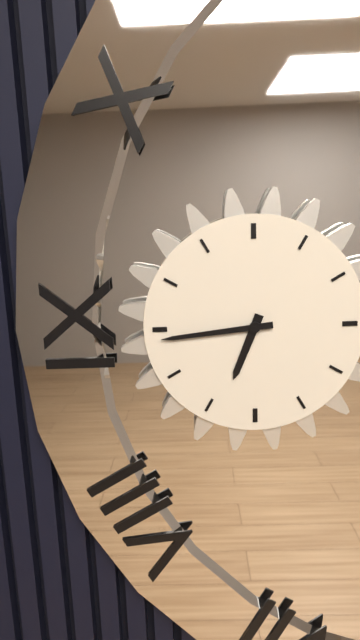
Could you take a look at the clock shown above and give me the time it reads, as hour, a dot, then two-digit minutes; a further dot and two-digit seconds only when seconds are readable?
6.44
